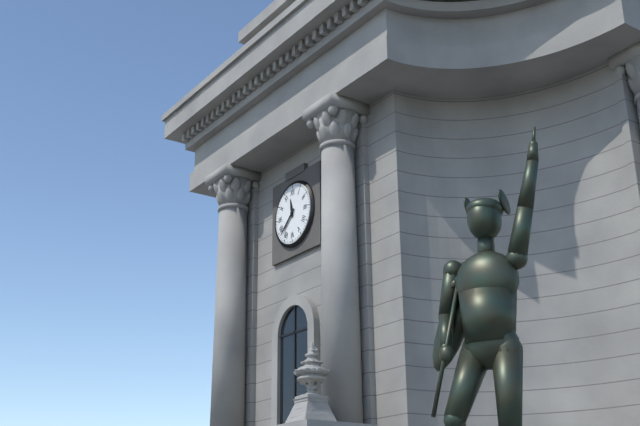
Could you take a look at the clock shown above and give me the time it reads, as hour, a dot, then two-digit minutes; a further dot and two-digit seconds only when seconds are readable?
11.38
